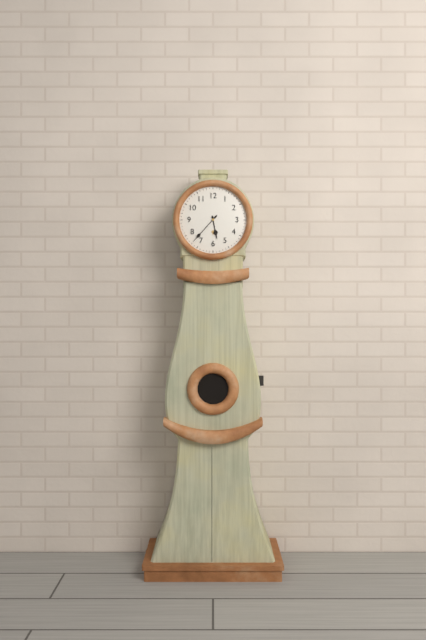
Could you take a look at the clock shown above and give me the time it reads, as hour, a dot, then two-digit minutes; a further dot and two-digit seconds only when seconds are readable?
5.37
